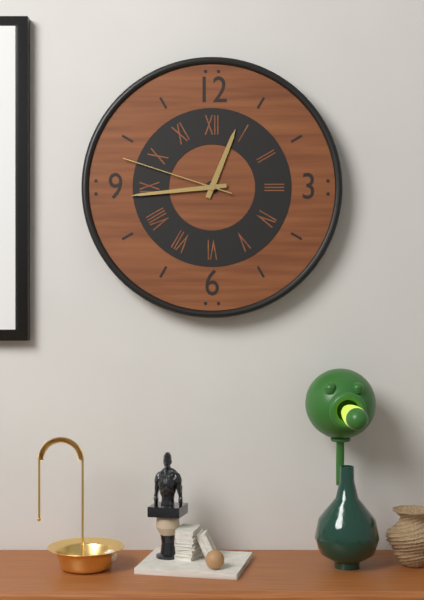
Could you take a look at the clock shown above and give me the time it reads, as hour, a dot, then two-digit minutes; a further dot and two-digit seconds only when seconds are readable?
12.44.48
